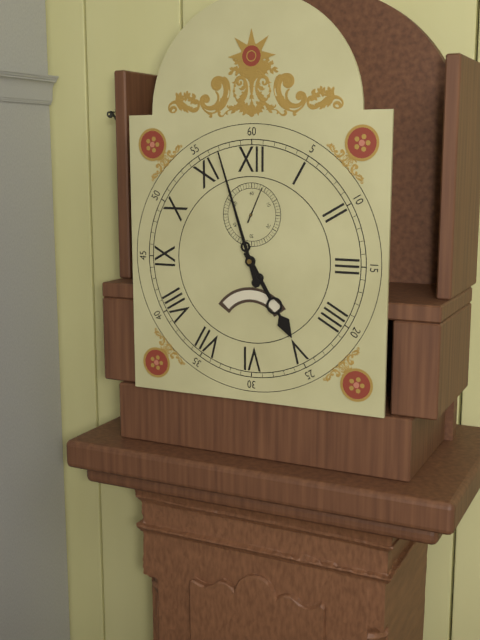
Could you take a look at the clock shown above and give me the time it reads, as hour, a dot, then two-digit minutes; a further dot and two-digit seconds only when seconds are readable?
4.57
